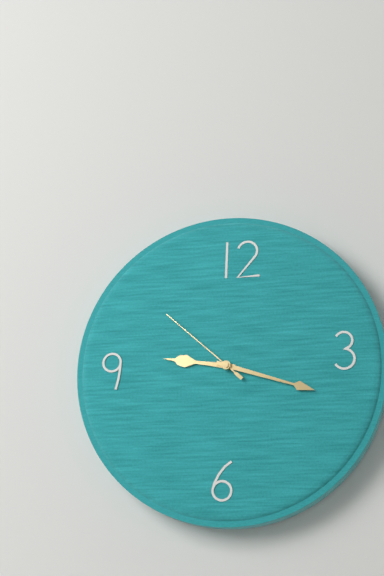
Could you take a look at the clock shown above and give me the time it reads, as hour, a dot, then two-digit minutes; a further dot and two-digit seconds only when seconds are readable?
9.18.52
